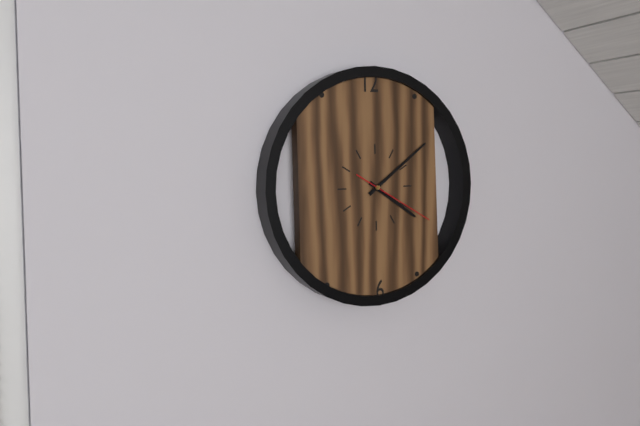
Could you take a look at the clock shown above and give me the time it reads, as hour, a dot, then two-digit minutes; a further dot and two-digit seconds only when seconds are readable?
4.09.20
